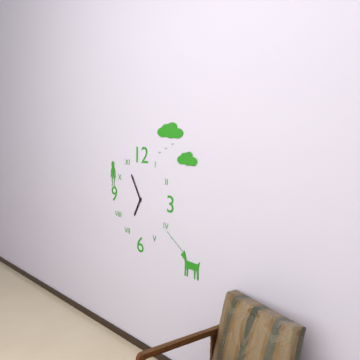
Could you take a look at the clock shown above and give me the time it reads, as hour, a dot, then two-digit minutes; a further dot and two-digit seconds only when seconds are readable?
6.55
